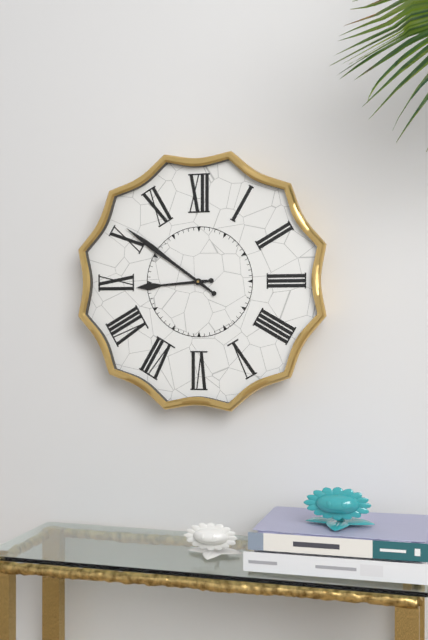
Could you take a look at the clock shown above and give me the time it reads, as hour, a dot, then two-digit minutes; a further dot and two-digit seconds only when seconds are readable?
8.51
